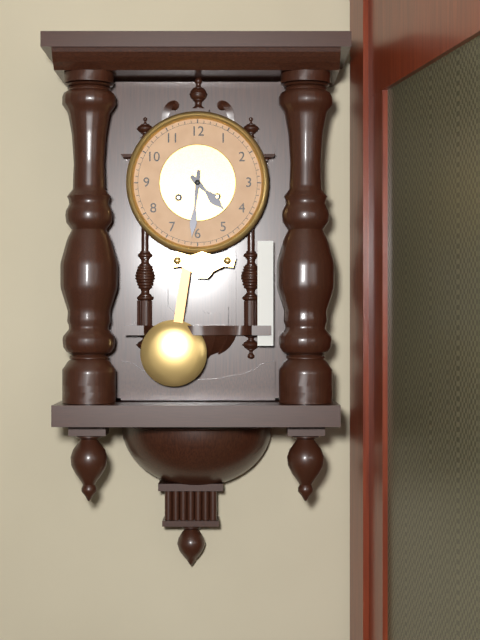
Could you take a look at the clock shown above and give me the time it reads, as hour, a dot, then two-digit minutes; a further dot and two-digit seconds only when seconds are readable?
4.31
